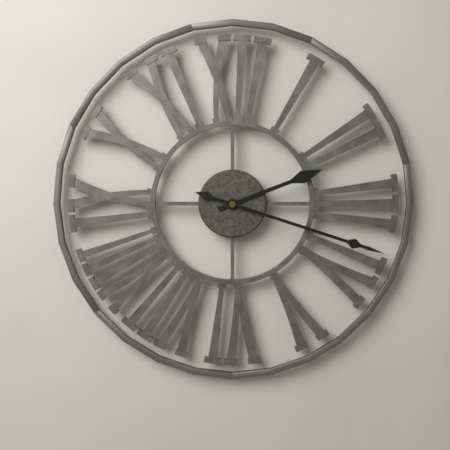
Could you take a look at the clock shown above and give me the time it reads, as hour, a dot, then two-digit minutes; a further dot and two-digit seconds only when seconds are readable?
2.18
